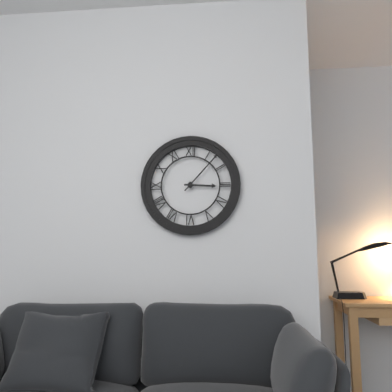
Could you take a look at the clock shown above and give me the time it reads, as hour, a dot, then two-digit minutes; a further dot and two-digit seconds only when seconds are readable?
3.07
